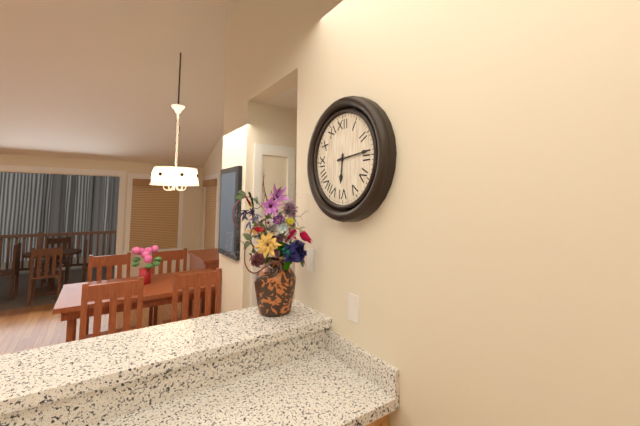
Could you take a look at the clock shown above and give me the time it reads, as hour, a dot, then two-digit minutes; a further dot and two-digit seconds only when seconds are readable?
6.14
